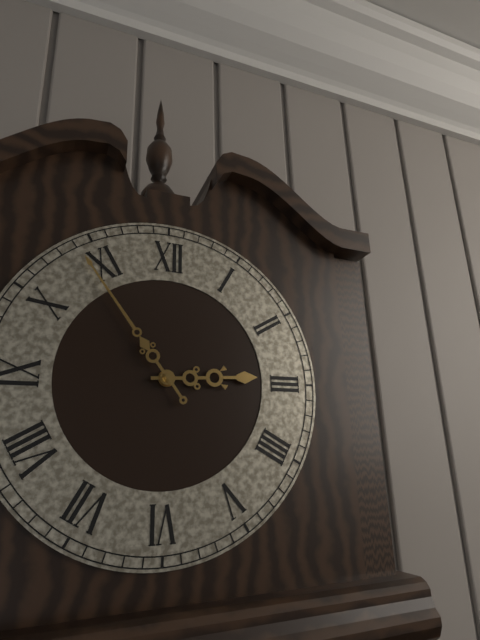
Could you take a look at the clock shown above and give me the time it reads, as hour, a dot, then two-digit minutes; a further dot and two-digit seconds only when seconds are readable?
2.54
